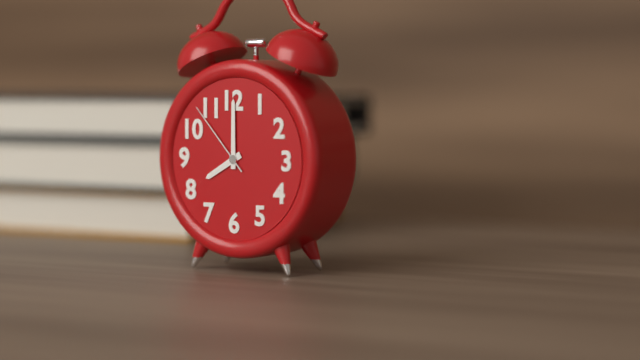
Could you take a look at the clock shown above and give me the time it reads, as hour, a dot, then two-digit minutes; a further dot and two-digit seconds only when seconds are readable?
8.00.53
